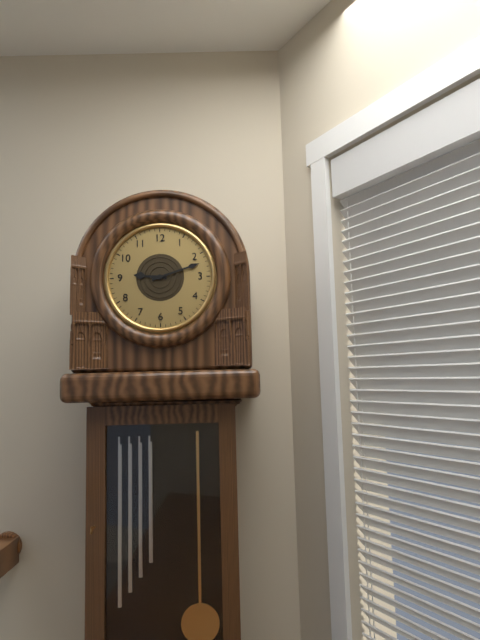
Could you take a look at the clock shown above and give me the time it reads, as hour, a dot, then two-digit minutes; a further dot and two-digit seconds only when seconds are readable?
9.12
